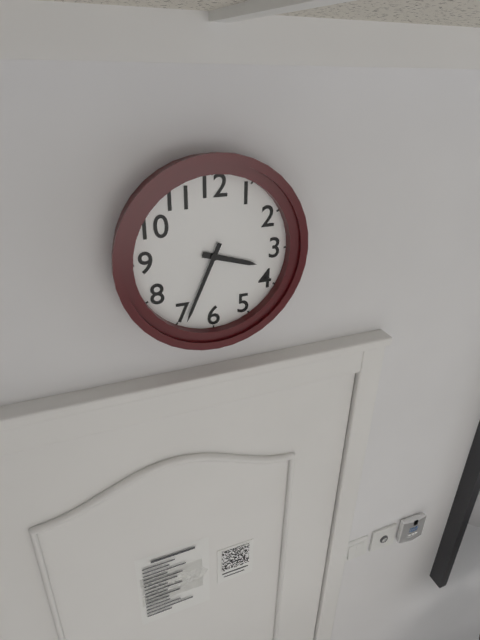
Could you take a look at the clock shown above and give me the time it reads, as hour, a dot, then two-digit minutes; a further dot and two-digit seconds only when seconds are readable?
3.34
